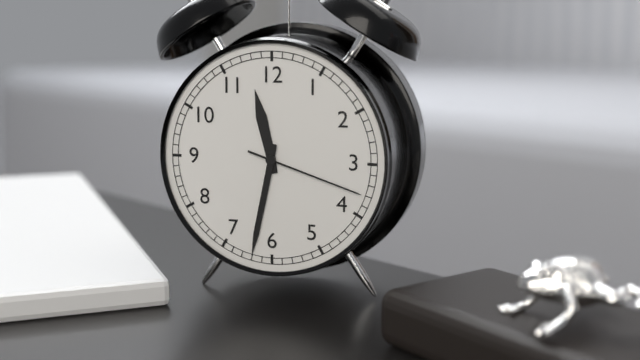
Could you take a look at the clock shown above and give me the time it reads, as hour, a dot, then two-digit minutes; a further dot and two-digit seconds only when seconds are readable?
11.32.18
